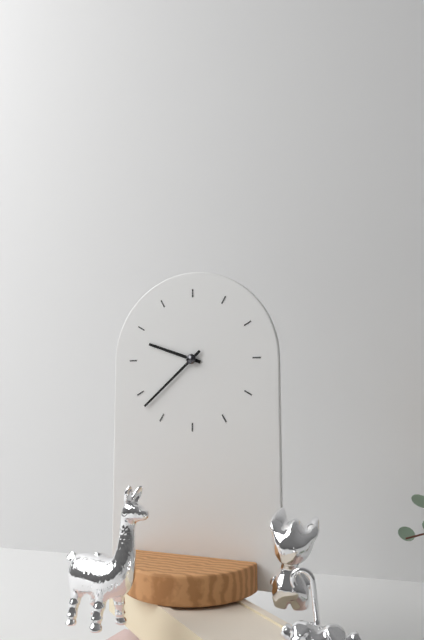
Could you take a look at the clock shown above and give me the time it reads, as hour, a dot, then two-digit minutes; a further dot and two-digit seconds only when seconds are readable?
9.38
